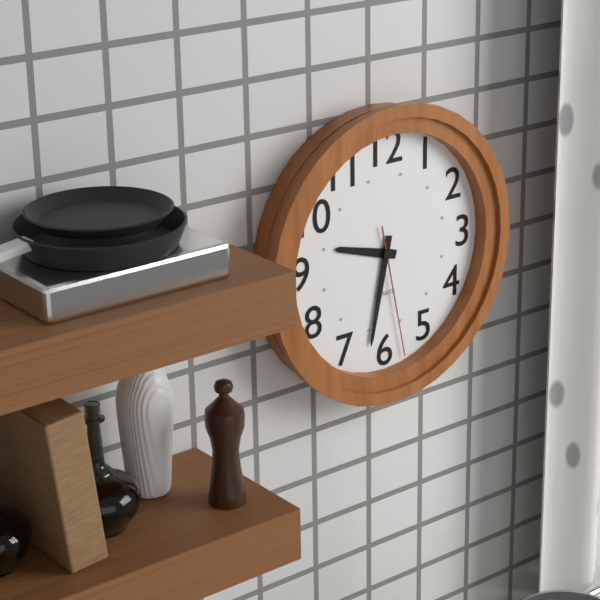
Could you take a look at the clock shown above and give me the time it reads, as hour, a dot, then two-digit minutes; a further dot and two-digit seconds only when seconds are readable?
9.32.28
